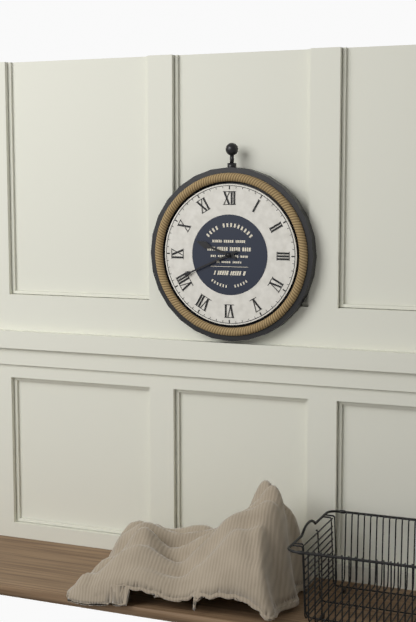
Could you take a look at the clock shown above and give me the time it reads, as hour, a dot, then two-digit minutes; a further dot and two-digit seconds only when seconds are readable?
9.41
